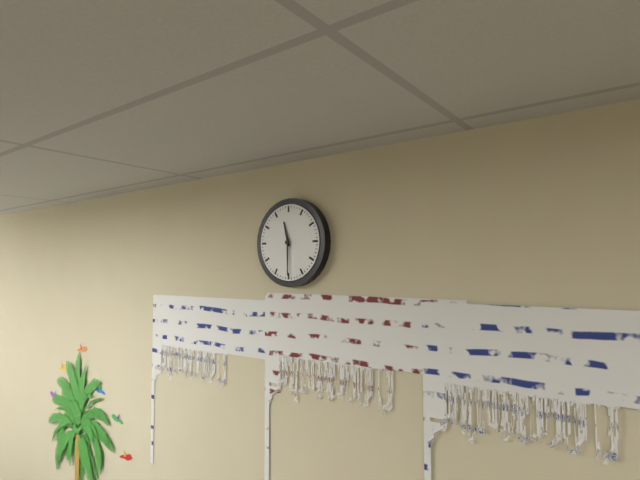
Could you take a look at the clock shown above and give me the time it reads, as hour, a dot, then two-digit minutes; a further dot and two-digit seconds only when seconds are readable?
11.30
